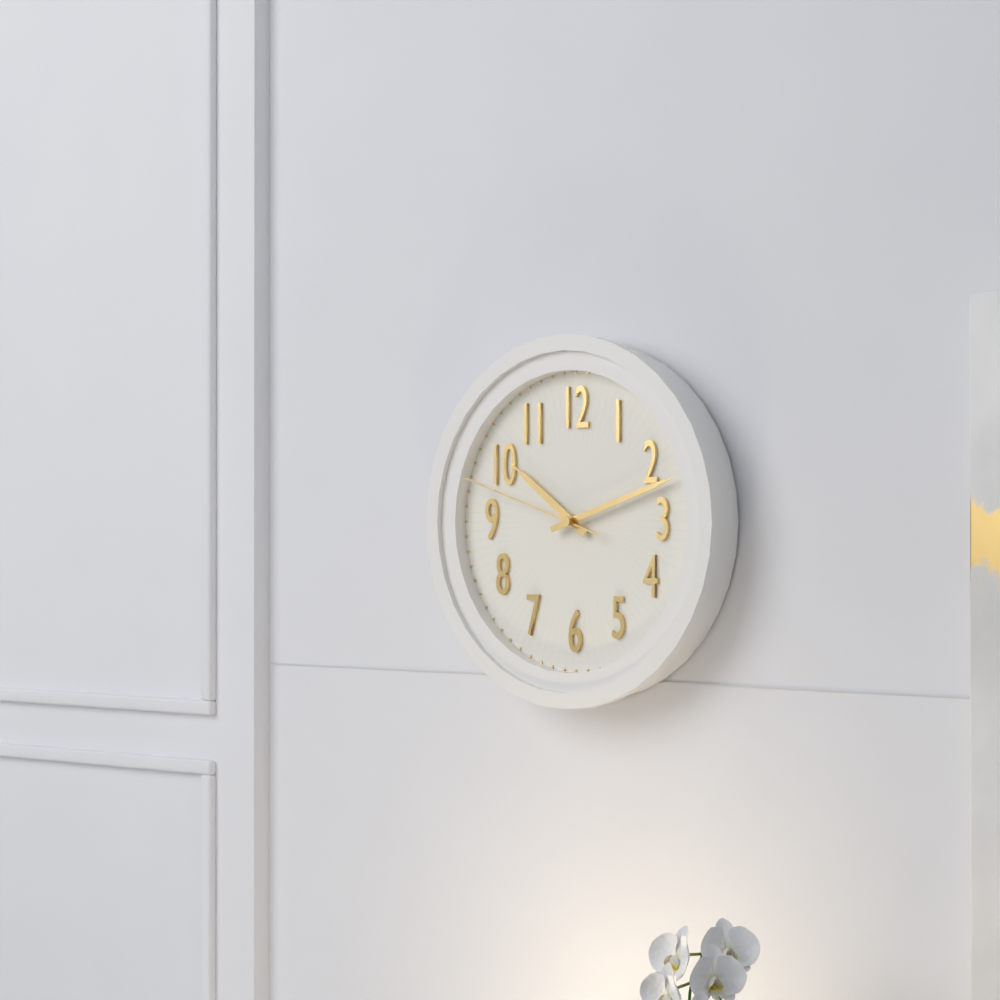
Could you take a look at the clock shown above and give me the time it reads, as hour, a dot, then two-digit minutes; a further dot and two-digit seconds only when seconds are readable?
10.12.48
